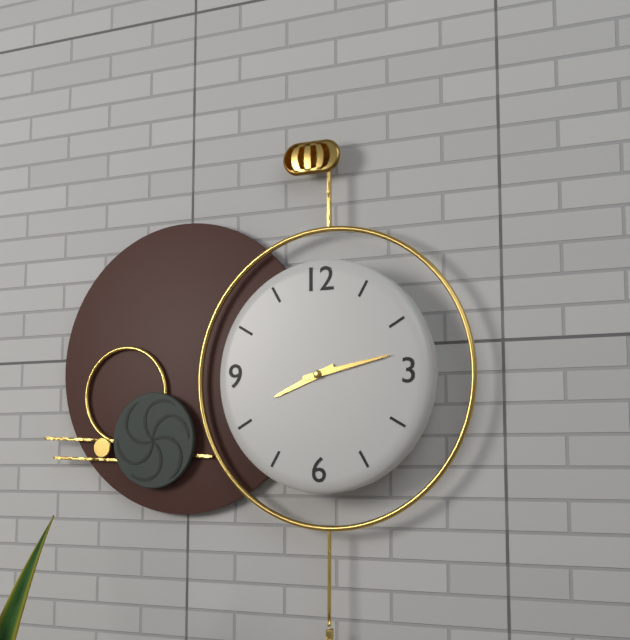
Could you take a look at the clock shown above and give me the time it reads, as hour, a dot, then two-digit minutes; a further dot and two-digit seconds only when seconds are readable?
8.13
